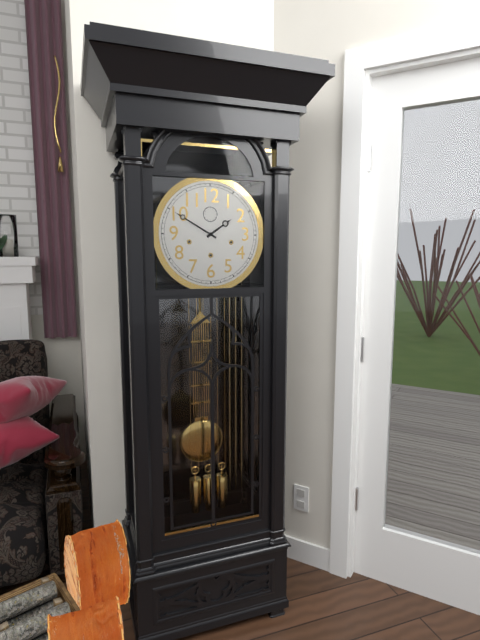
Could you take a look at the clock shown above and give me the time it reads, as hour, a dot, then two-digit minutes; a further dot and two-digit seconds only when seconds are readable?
1.50
